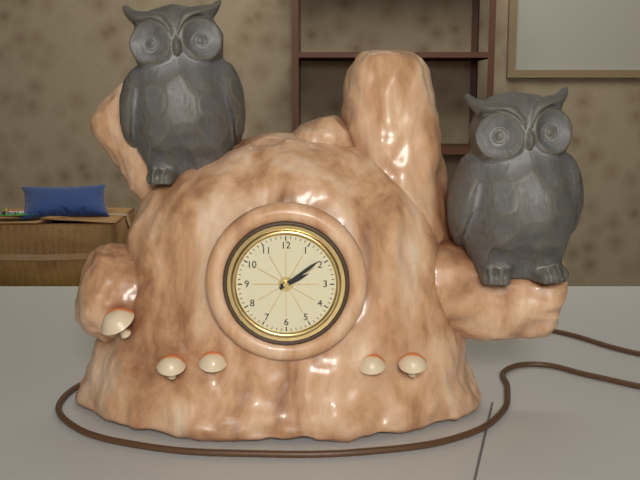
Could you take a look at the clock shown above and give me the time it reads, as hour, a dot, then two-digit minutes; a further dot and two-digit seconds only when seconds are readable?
2.09
